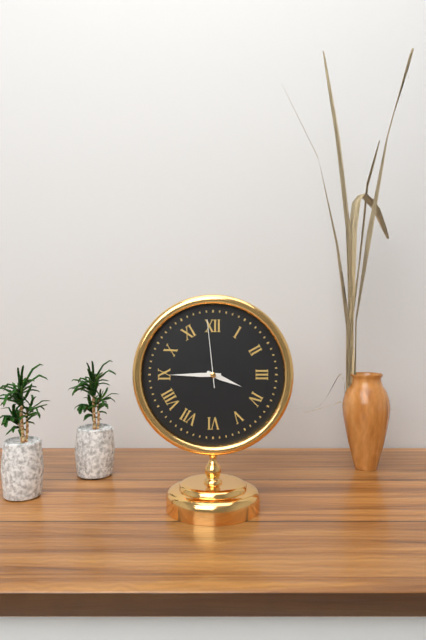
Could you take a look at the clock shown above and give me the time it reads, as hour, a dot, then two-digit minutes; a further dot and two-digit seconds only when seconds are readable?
3.45.59
